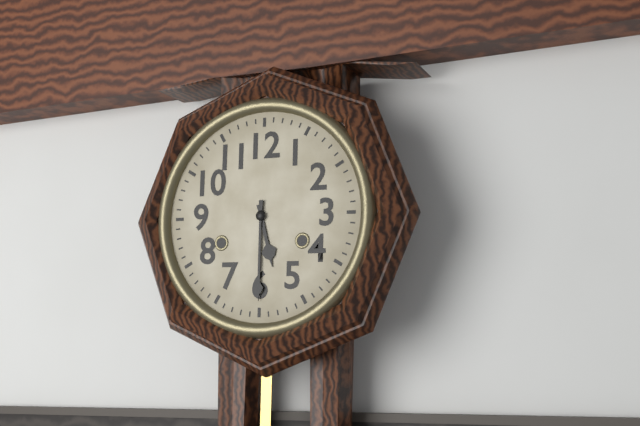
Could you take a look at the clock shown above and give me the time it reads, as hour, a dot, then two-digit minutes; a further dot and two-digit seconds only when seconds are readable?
5.30
